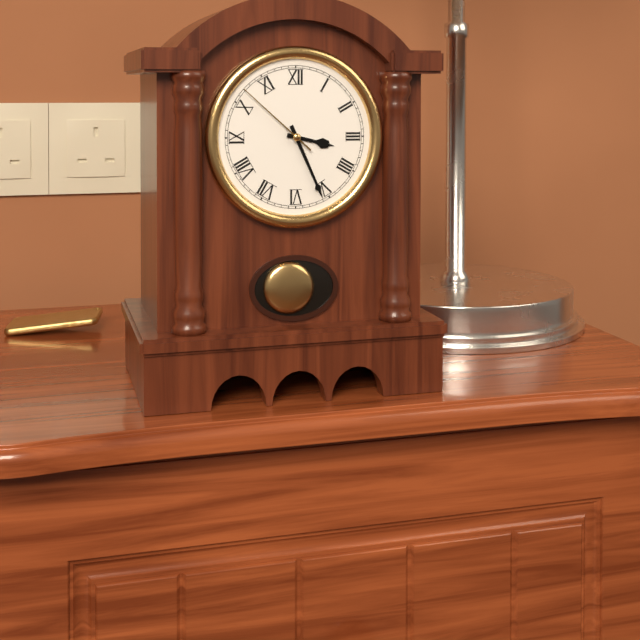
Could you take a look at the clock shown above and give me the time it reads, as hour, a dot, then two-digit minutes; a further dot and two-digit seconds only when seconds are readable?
3.26.52
